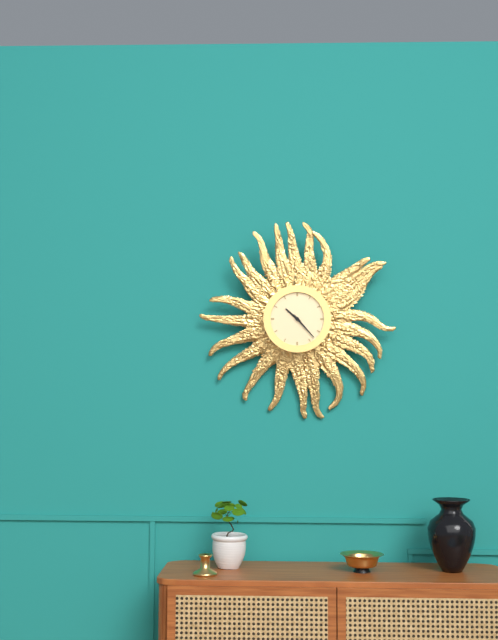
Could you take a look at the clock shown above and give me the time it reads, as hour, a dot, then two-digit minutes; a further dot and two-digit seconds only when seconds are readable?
10.23
